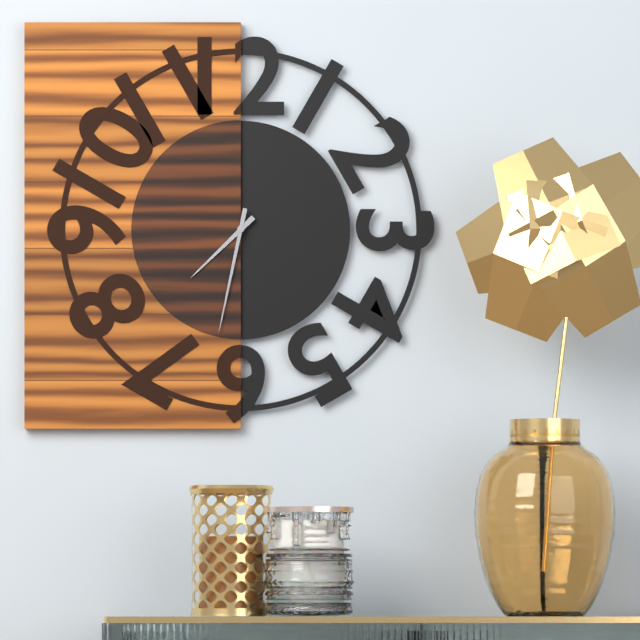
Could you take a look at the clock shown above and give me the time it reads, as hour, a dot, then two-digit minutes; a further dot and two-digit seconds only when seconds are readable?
7.32
